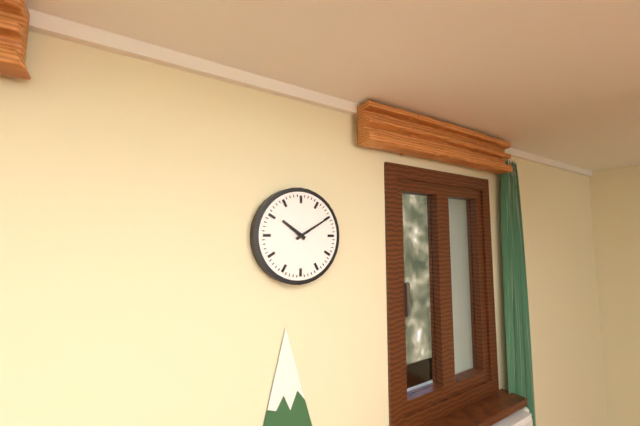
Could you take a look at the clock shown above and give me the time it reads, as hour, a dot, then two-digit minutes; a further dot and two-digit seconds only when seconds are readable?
10.10
